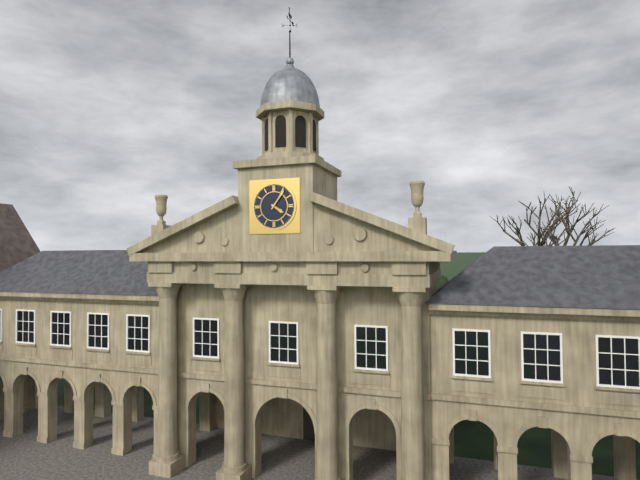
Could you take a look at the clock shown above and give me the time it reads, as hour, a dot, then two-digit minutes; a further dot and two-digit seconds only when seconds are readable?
4.06
